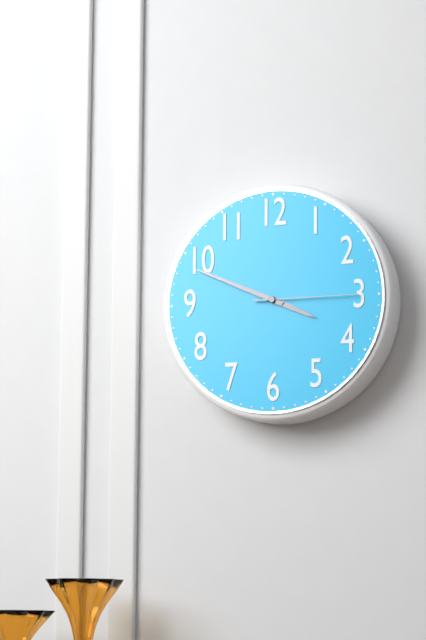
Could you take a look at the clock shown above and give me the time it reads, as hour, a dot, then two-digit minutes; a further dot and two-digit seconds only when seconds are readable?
3.49.15
